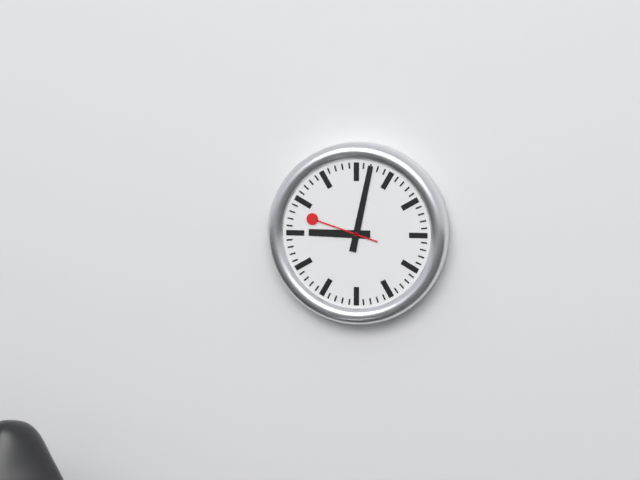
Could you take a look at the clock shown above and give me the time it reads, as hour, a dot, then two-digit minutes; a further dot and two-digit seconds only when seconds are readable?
9.02.48
